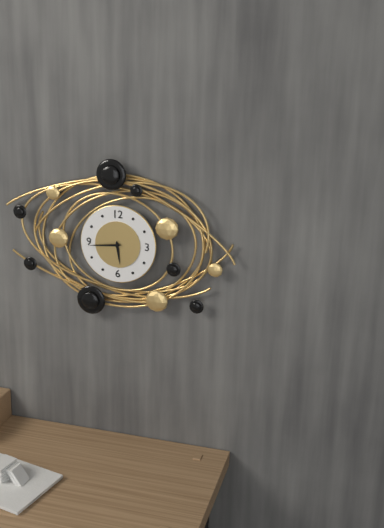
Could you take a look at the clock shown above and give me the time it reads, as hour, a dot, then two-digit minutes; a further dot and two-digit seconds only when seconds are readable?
5.44
